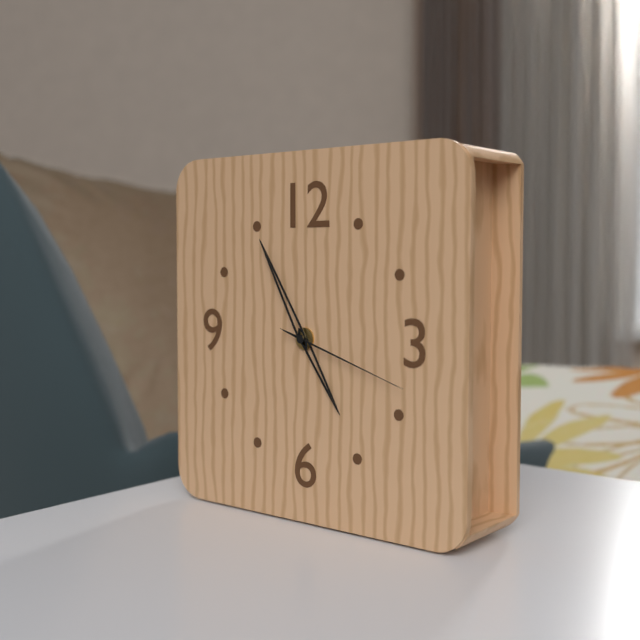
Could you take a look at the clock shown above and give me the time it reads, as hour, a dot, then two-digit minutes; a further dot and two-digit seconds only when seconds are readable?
4.55.18
